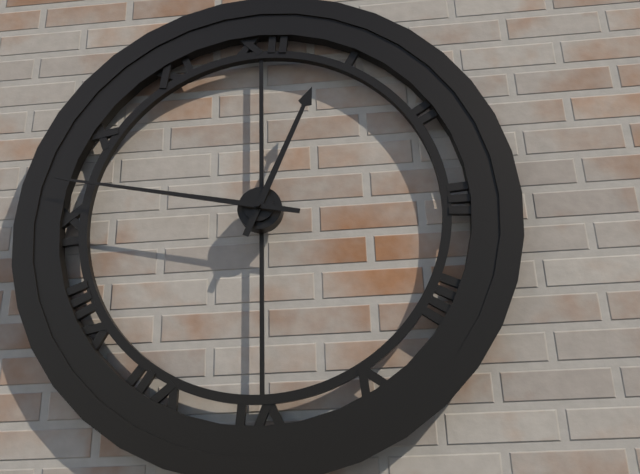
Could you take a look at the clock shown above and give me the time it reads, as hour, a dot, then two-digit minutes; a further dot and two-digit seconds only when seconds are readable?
12.47
